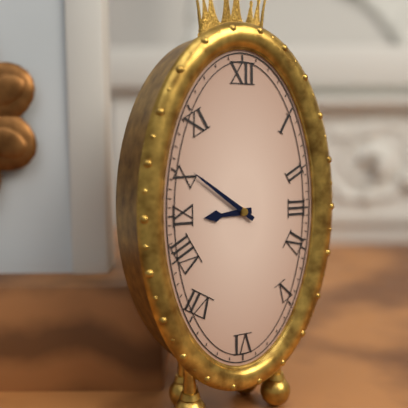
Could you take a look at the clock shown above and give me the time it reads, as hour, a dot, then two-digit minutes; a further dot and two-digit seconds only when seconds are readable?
8.51
